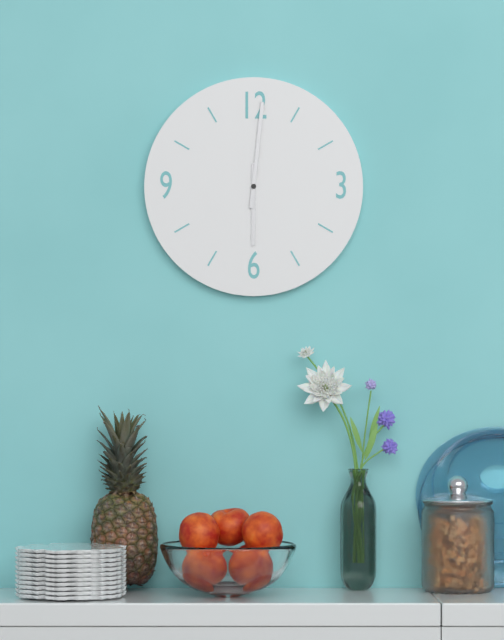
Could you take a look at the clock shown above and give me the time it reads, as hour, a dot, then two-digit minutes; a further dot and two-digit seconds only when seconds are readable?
6.01
